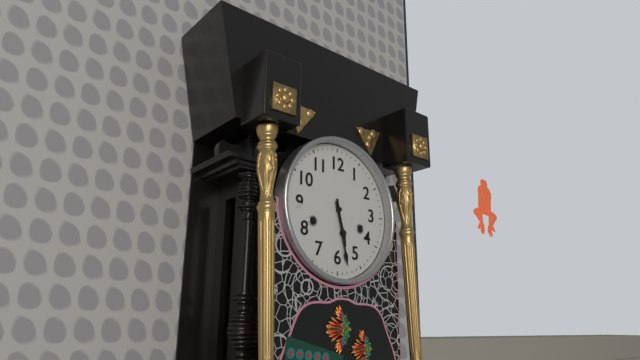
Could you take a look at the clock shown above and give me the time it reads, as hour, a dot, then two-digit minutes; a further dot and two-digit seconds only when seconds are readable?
5.28
